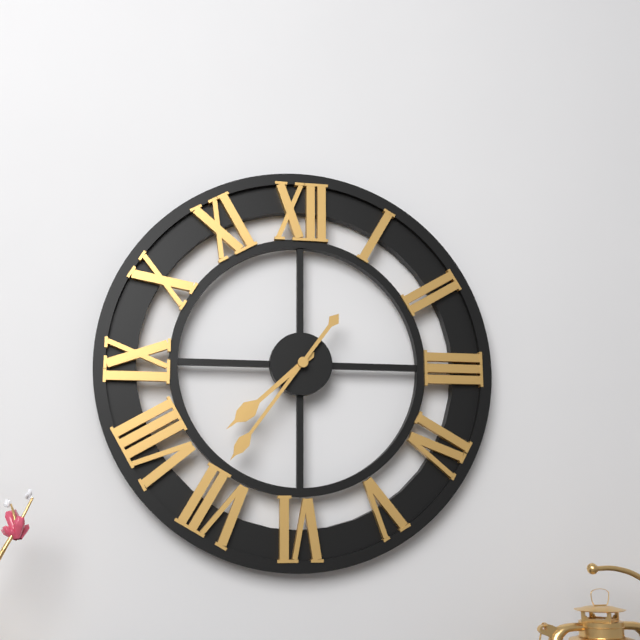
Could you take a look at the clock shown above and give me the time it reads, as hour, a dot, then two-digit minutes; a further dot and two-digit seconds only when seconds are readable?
7.36
